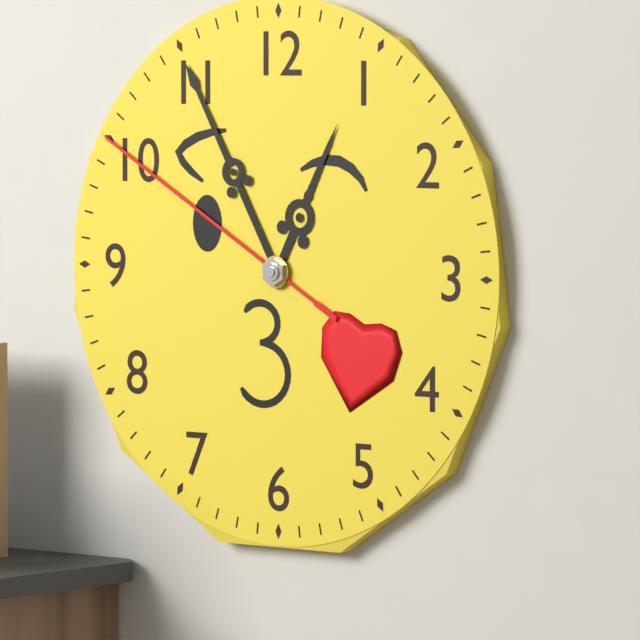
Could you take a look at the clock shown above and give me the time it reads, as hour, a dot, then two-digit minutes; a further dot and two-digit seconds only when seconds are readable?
12.55.50
